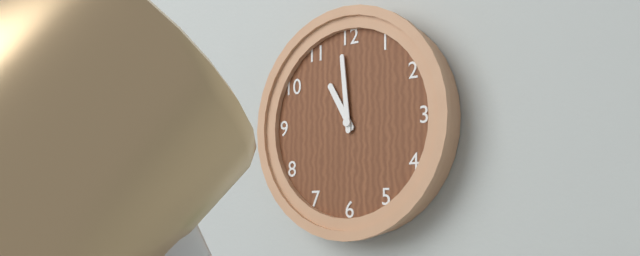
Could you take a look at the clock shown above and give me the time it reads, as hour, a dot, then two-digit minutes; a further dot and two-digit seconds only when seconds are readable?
10.59
